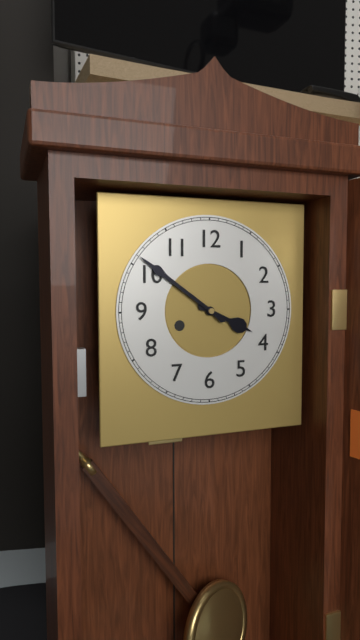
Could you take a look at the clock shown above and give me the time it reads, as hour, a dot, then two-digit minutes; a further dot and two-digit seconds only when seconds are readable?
3.51
